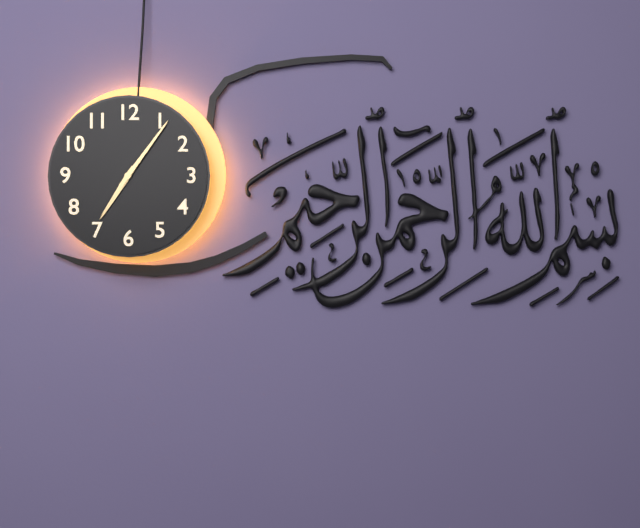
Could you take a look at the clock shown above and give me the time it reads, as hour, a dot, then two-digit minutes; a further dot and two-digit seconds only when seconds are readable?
7.06
